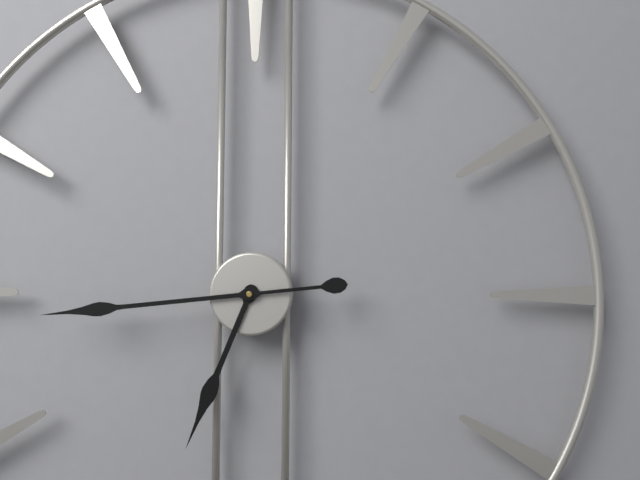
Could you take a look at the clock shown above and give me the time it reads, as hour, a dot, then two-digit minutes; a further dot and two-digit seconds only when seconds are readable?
6.44
